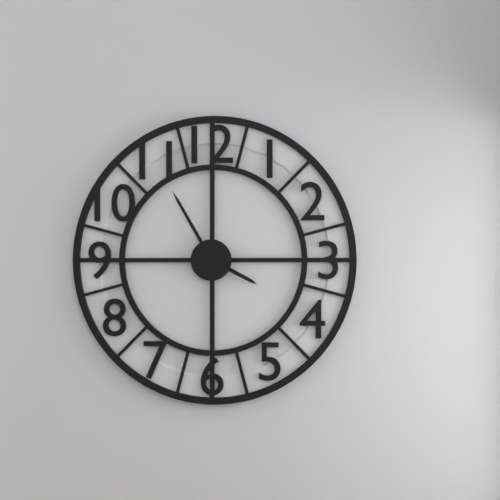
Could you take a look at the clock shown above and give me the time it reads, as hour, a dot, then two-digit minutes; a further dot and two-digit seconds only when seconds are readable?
3.55
